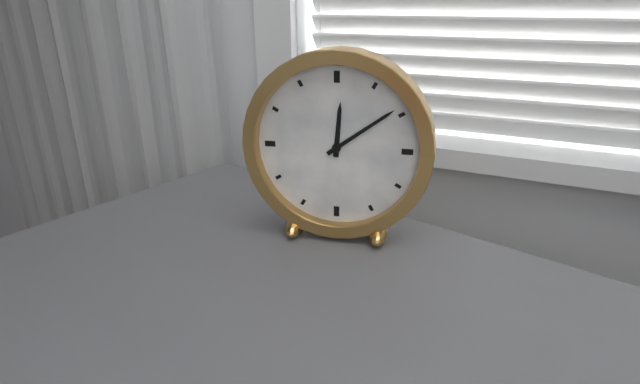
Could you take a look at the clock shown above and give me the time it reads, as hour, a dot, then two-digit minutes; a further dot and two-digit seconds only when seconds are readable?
12.09
